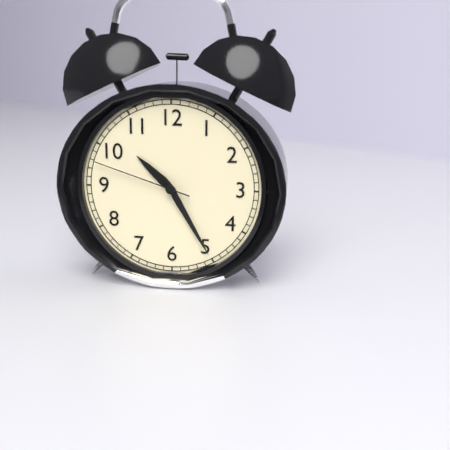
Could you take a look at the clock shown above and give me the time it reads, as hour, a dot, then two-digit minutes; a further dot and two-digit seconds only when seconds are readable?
10.25.48
